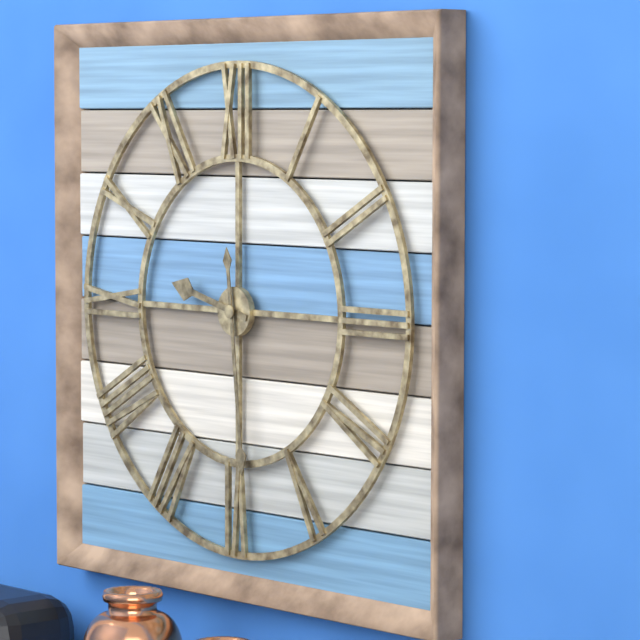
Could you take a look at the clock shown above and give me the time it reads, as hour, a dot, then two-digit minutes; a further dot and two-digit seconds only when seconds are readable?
9.29
